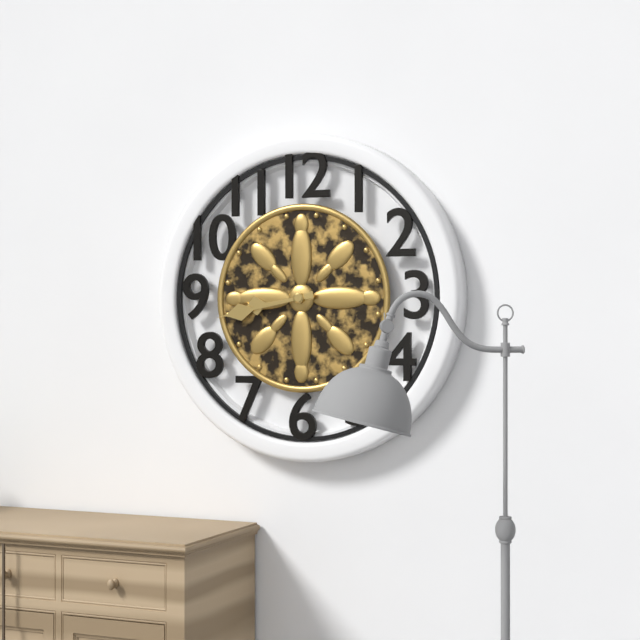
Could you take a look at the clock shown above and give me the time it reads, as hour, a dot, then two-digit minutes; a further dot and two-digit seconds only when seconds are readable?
8.43
